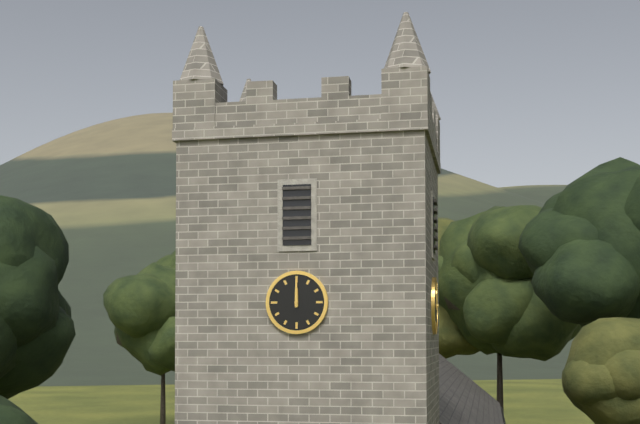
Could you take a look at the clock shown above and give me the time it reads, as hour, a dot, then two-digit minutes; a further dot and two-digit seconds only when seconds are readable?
12.00
